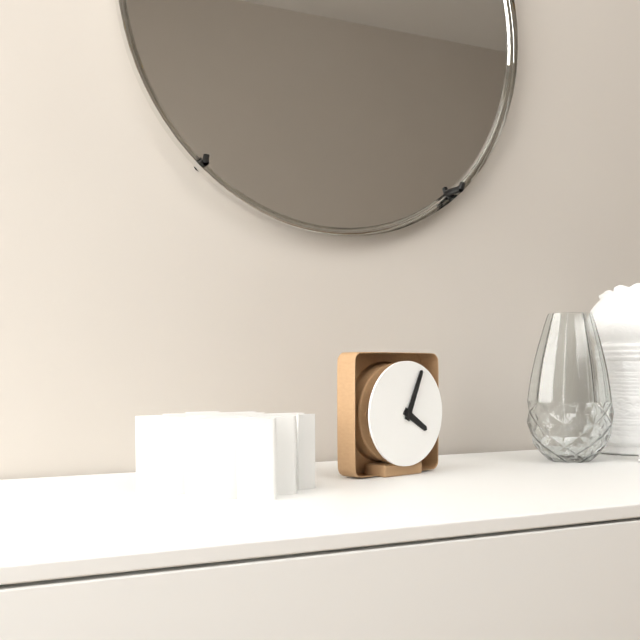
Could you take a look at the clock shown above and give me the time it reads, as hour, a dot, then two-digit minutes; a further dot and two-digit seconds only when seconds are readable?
4.04
